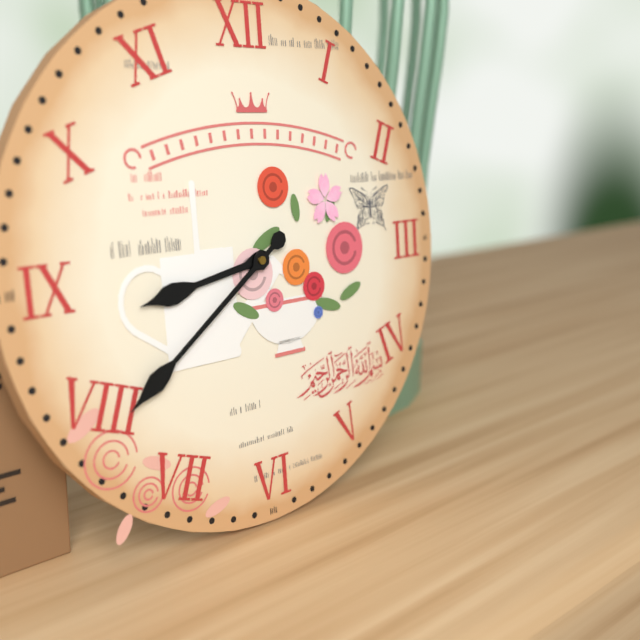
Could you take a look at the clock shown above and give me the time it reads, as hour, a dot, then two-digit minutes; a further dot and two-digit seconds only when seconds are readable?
8.39
